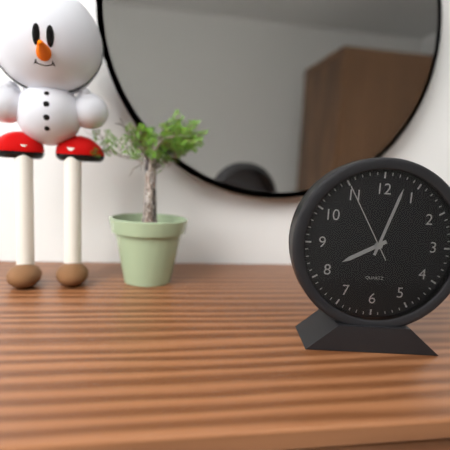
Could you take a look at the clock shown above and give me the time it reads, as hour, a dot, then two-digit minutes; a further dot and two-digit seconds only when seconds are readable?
8.03.55
